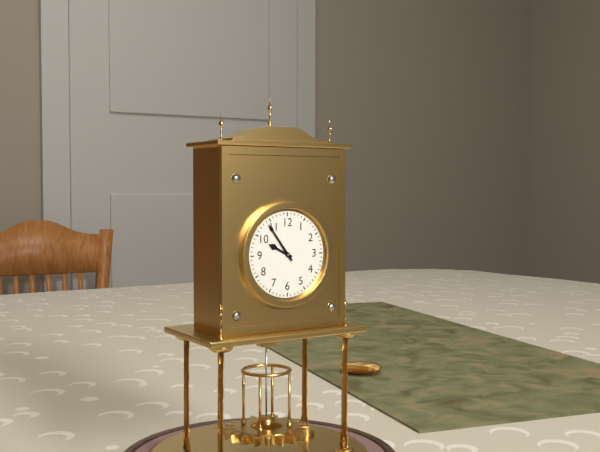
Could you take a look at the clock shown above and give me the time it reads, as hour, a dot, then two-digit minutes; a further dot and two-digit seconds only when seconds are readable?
9.54
